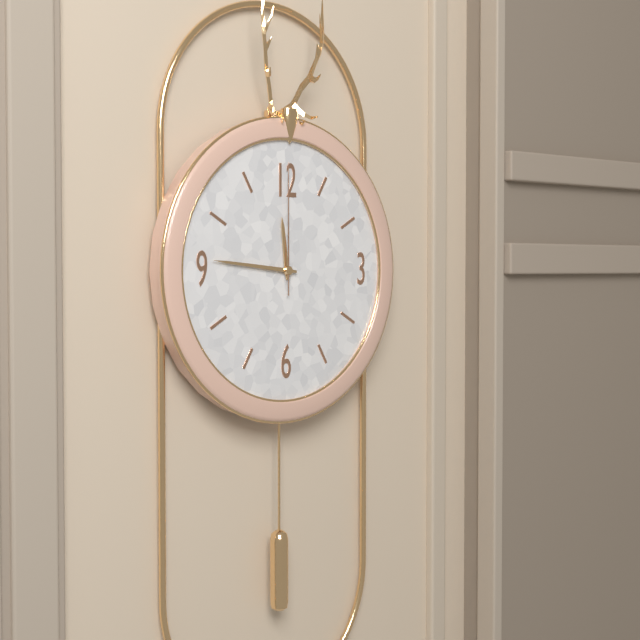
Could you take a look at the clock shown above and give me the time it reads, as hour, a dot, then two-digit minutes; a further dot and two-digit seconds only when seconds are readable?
11.46.00
